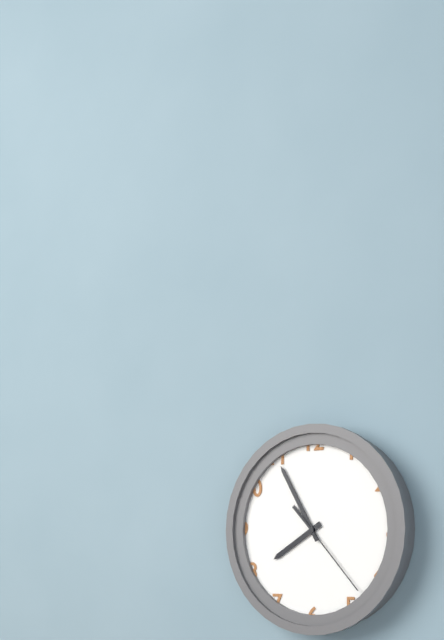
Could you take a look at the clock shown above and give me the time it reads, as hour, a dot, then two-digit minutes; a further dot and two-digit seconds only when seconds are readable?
7.55.23
